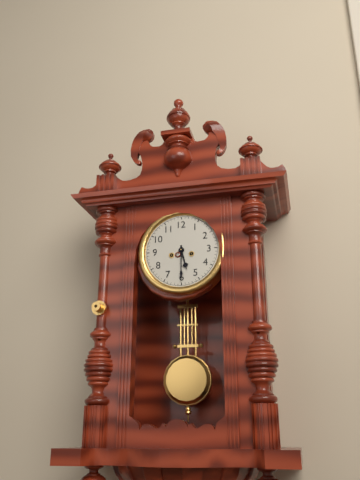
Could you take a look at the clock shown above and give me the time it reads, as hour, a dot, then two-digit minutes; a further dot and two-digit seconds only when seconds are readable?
5.30
